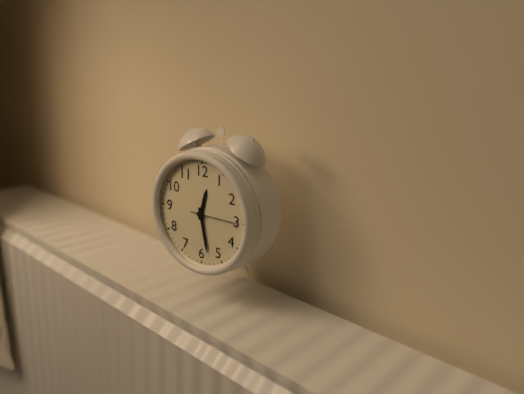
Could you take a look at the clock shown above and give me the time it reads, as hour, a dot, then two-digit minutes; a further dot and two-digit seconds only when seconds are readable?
12.28
